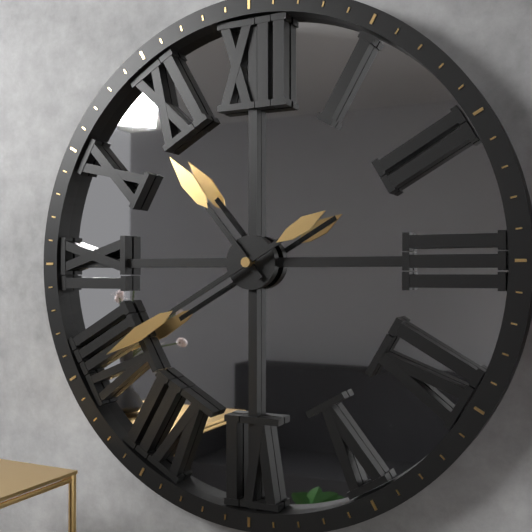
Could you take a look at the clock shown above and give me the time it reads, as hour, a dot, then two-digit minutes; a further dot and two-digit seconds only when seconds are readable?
10.40
